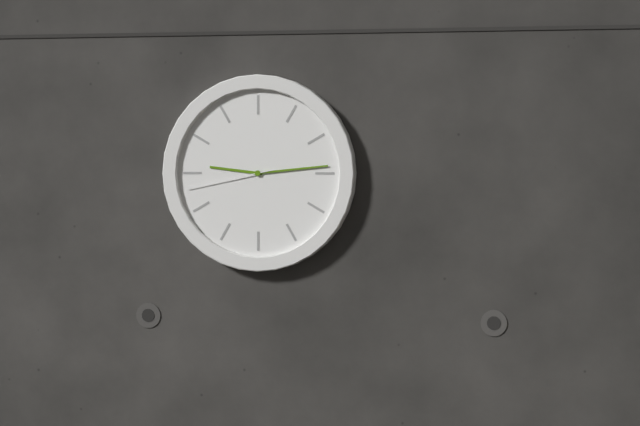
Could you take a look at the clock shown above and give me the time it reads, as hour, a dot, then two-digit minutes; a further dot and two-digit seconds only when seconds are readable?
9.14.43
